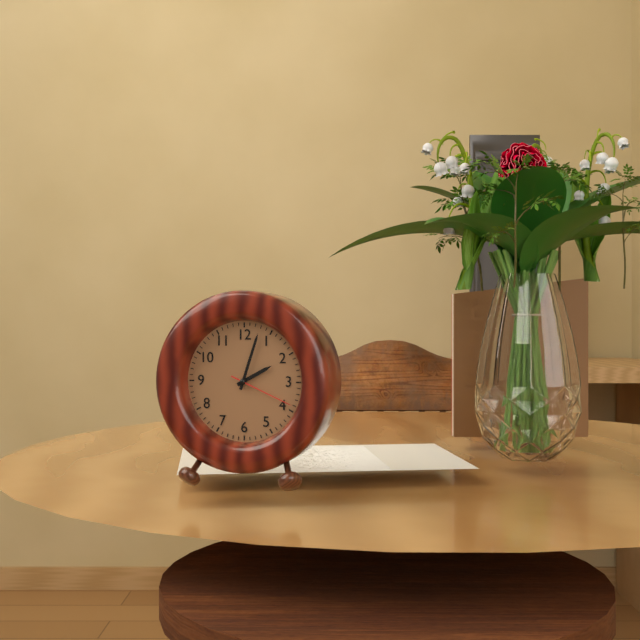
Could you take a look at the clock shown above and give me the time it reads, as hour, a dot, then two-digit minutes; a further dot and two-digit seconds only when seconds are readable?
2.03.19
